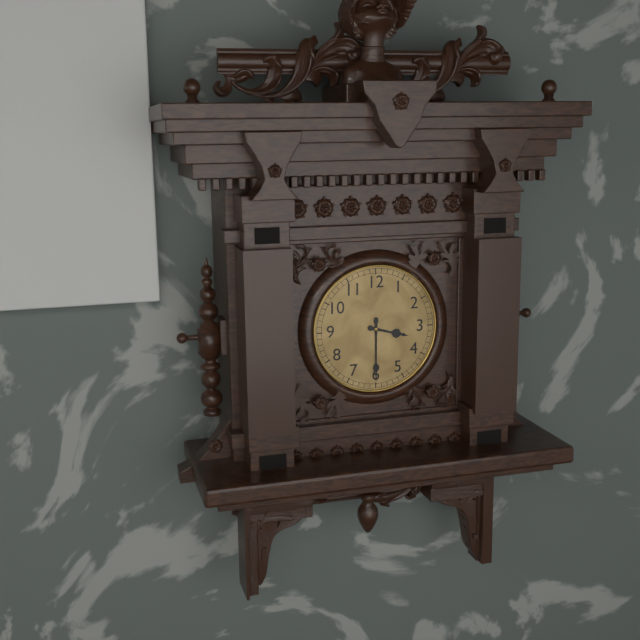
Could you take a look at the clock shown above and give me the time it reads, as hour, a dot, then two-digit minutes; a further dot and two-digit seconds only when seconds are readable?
3.30
